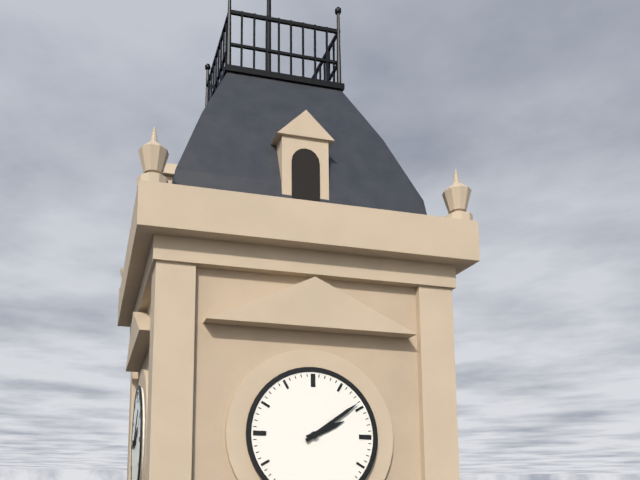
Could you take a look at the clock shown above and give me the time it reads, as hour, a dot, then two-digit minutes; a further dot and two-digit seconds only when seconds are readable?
2.09
